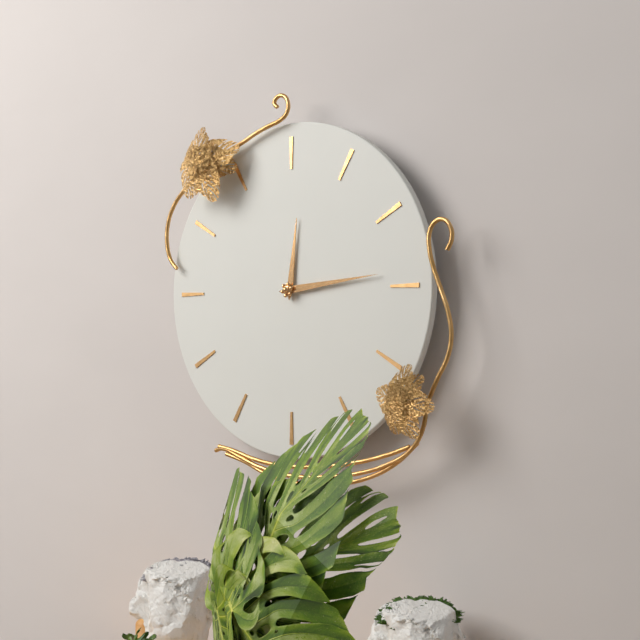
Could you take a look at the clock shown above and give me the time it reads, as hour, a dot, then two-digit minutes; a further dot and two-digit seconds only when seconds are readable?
12.14
